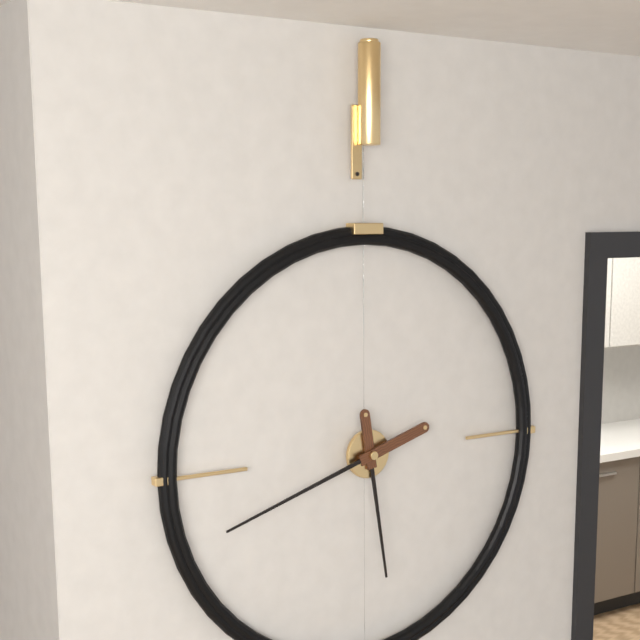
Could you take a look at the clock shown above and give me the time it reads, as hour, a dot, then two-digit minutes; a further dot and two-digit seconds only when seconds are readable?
5.42
